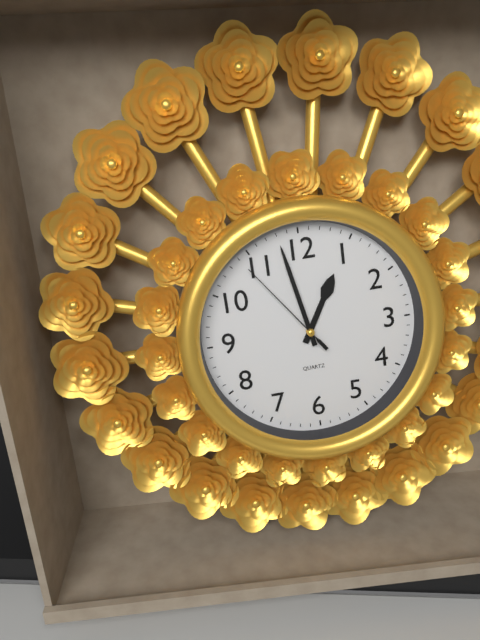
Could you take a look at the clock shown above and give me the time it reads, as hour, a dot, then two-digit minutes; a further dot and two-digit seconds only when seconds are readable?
12.58.54
